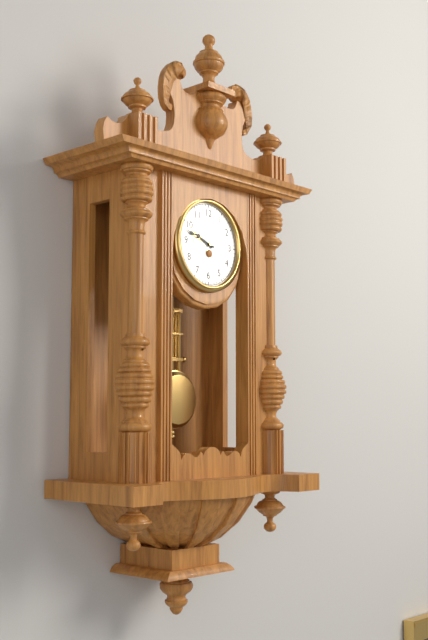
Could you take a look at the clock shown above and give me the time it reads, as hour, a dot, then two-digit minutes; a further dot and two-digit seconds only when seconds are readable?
9.48
